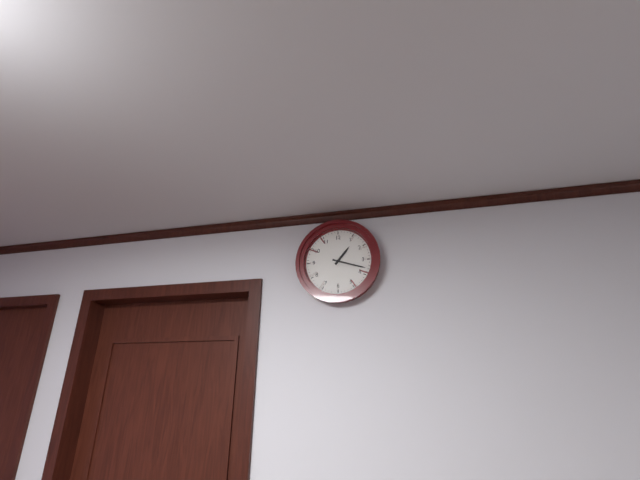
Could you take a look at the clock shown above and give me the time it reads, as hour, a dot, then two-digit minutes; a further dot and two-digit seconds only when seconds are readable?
1.18
